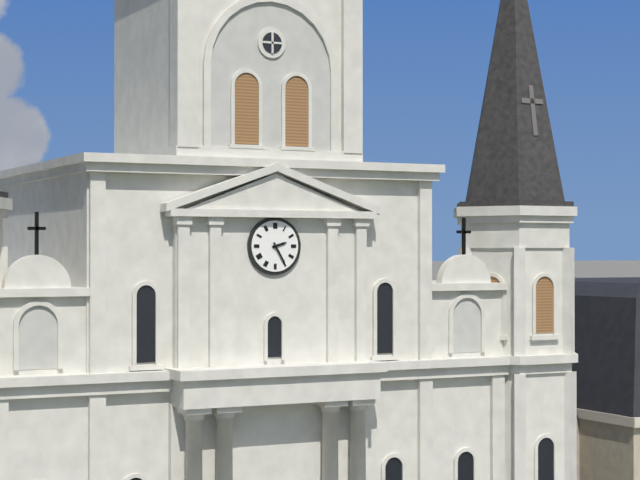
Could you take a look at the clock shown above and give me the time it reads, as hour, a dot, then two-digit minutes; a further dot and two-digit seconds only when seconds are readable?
2.25
